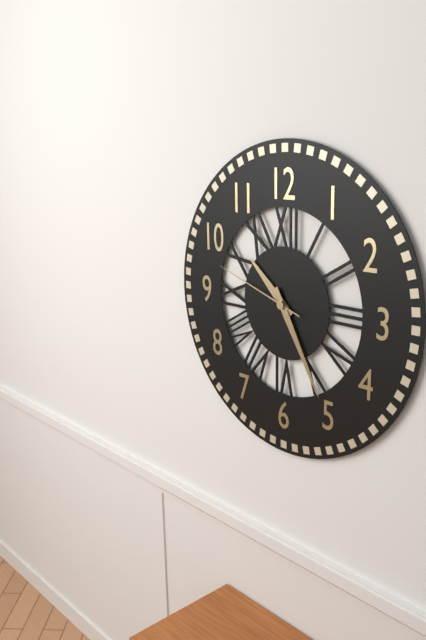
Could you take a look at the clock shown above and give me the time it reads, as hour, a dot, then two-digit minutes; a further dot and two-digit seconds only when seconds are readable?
10.25.48
